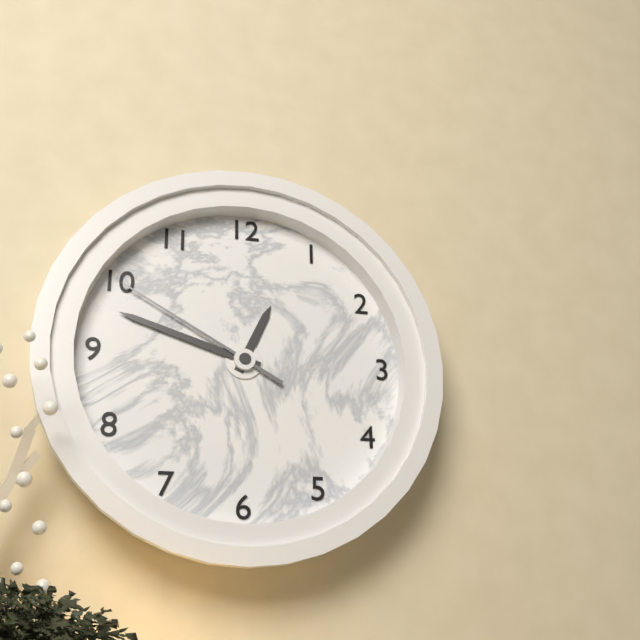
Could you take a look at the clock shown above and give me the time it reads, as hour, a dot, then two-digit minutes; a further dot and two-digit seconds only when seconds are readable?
12.48.50
